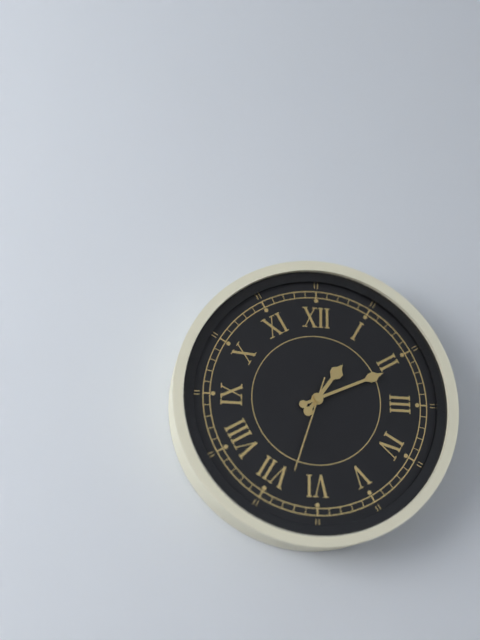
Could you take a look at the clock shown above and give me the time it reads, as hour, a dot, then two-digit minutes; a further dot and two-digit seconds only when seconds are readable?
1.11.33
